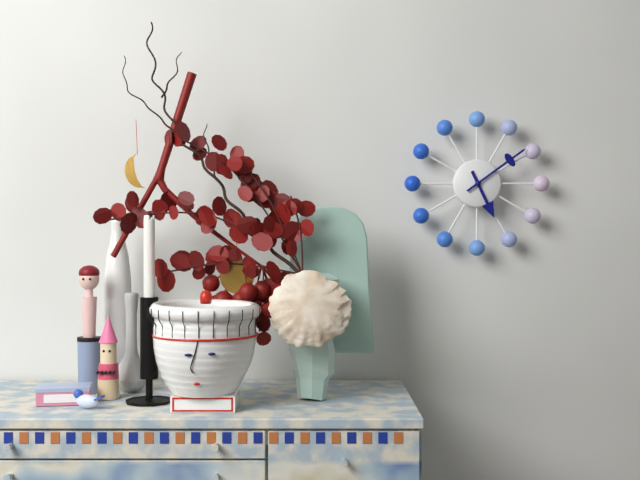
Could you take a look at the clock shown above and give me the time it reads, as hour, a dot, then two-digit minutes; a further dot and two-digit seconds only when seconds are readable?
5.09
